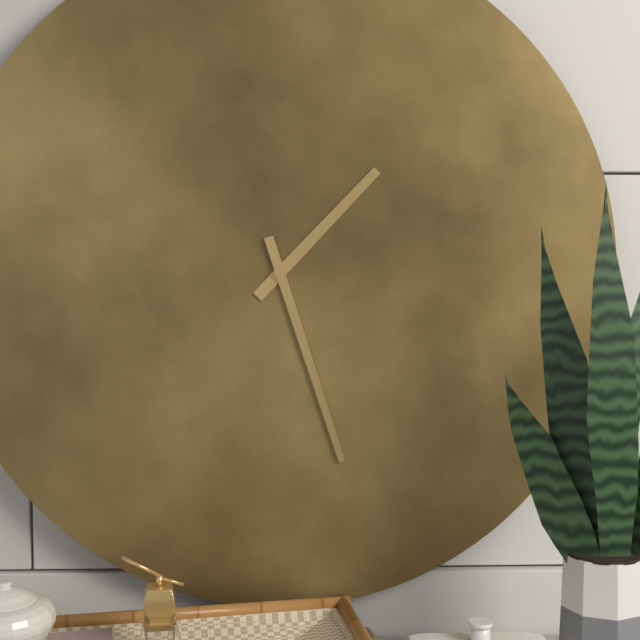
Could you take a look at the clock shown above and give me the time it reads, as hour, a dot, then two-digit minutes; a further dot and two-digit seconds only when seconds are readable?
1.27
